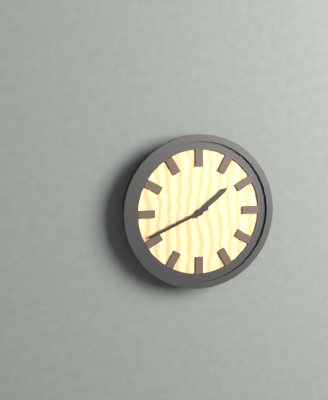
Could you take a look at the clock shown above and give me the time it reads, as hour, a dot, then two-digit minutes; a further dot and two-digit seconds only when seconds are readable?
1.41
